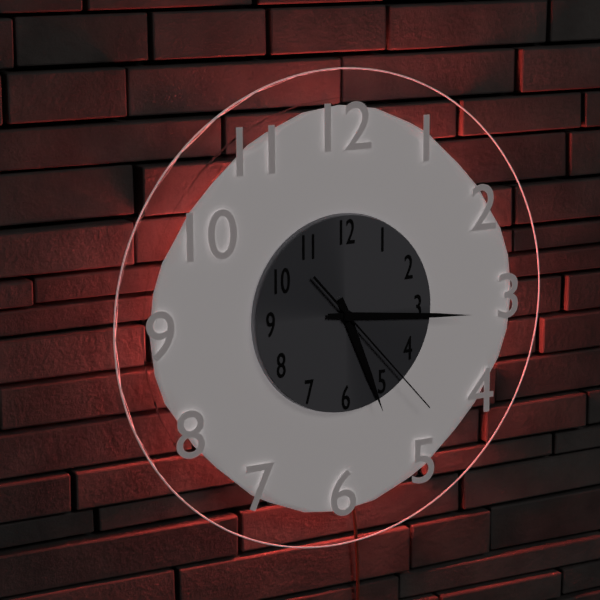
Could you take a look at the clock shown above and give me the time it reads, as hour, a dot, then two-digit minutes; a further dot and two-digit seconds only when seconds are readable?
5.16.23
